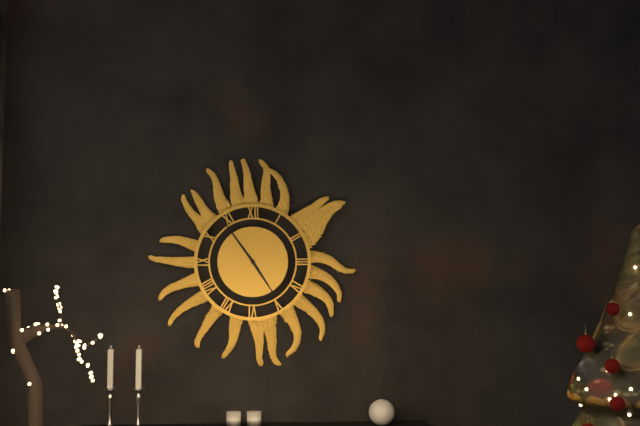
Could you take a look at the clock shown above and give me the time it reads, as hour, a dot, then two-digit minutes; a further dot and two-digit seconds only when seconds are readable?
4.54
